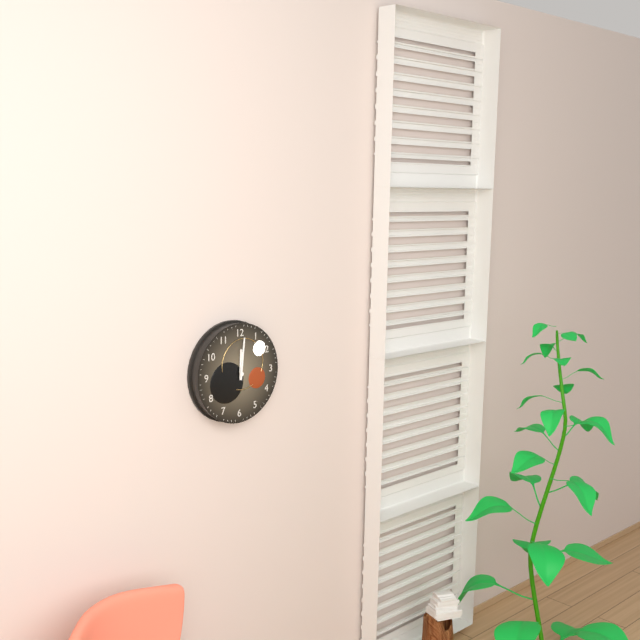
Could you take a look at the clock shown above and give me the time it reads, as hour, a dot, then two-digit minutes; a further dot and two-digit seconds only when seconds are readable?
12.01
